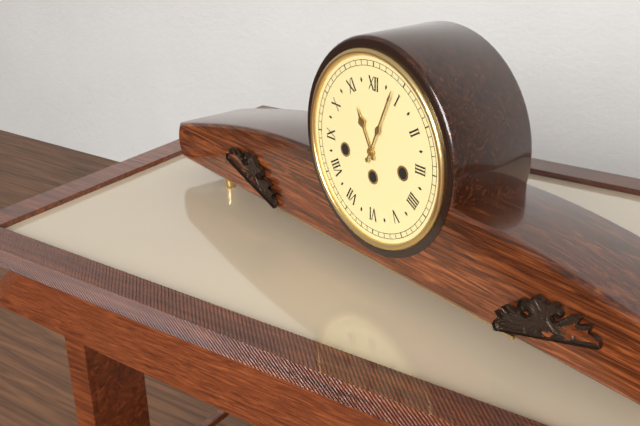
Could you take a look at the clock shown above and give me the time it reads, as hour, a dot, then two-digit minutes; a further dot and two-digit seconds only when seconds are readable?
11.04
